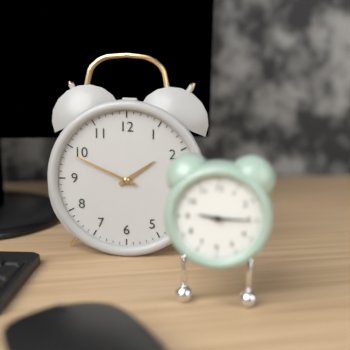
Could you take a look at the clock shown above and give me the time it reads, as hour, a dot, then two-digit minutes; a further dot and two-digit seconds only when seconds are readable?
1.49
